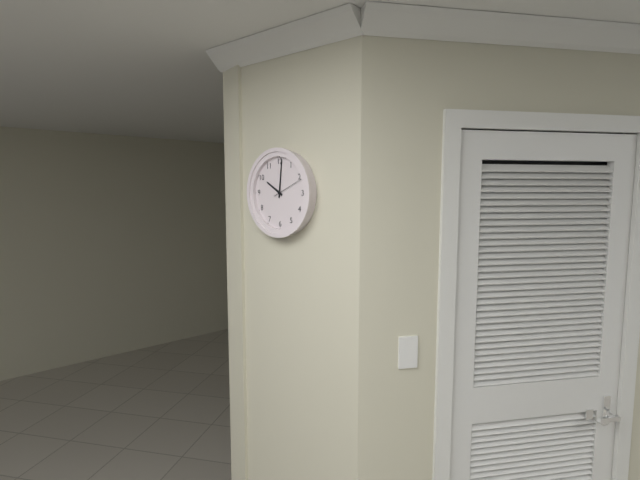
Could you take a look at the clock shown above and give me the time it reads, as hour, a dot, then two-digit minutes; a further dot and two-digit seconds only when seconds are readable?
10.01
